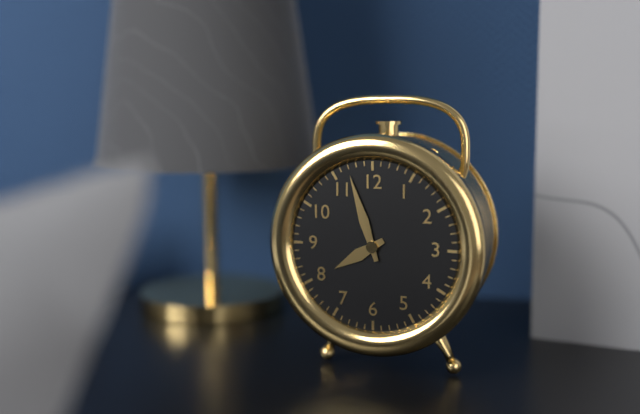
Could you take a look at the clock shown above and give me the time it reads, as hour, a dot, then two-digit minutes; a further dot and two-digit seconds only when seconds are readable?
7.57
